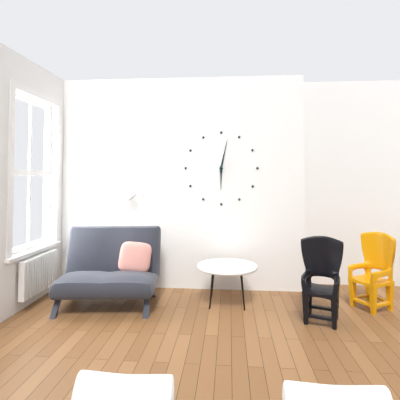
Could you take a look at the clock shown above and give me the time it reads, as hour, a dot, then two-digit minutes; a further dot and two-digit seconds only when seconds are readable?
6.02
